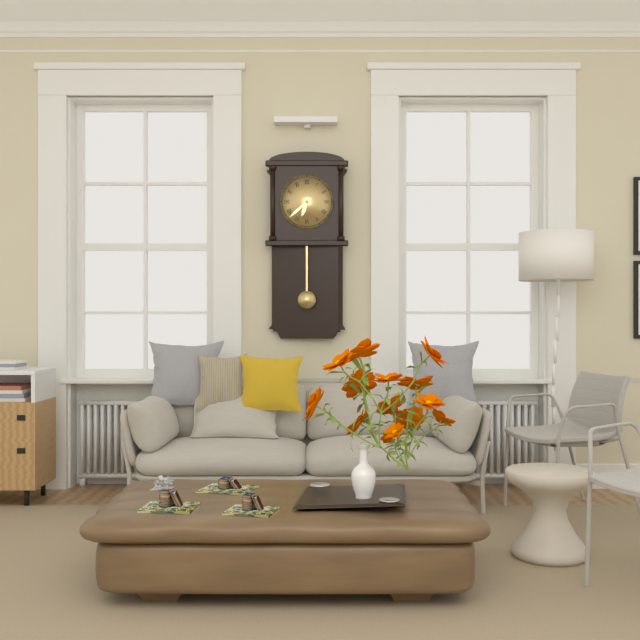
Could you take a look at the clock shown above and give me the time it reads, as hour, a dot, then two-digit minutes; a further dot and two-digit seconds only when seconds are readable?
6.38
